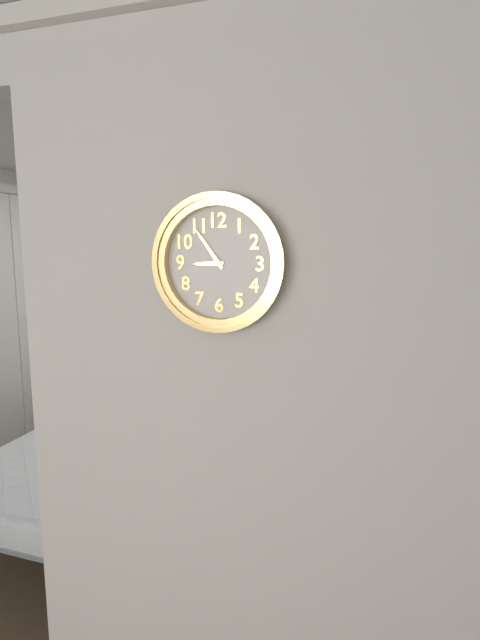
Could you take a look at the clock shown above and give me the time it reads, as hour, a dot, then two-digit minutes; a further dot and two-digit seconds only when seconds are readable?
8.54
